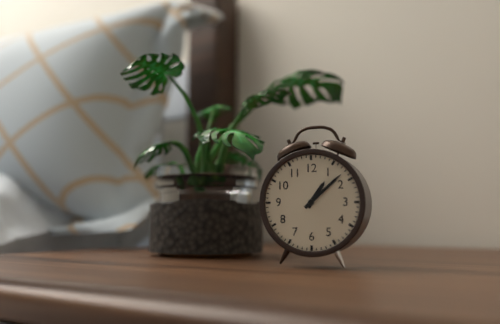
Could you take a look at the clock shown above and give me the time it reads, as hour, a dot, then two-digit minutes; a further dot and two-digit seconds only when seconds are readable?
1.08
